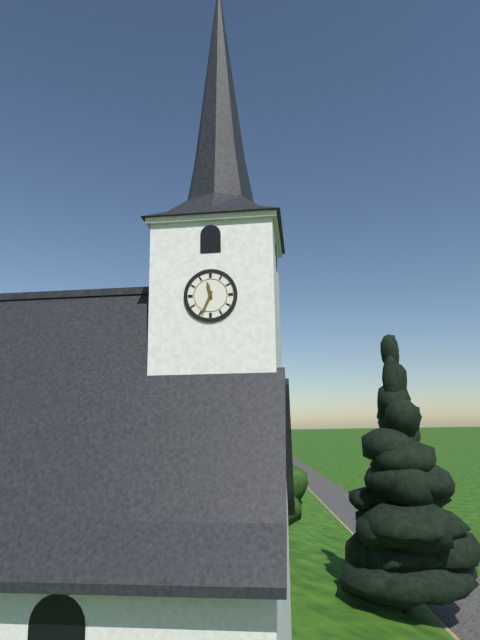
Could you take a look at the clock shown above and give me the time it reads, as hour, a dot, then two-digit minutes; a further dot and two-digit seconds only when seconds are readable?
11.34
